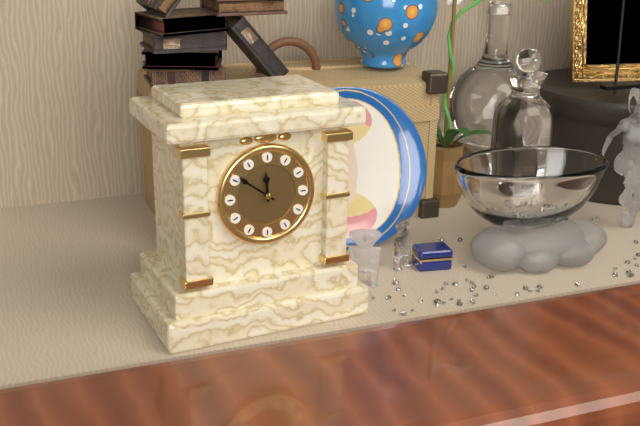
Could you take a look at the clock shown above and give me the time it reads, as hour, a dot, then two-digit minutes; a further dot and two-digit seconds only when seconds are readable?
11.51
